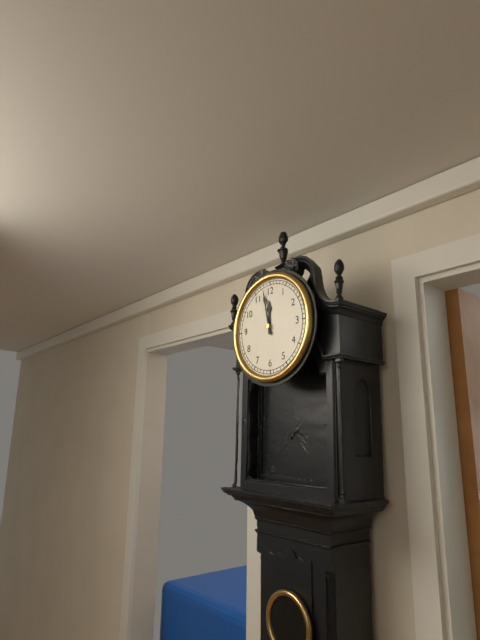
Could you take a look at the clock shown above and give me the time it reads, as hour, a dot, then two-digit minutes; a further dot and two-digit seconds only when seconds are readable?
11.58
